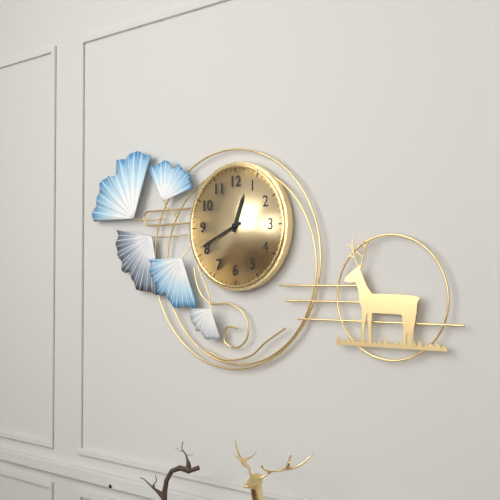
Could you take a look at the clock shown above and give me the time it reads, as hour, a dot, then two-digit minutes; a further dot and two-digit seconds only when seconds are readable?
12.41
